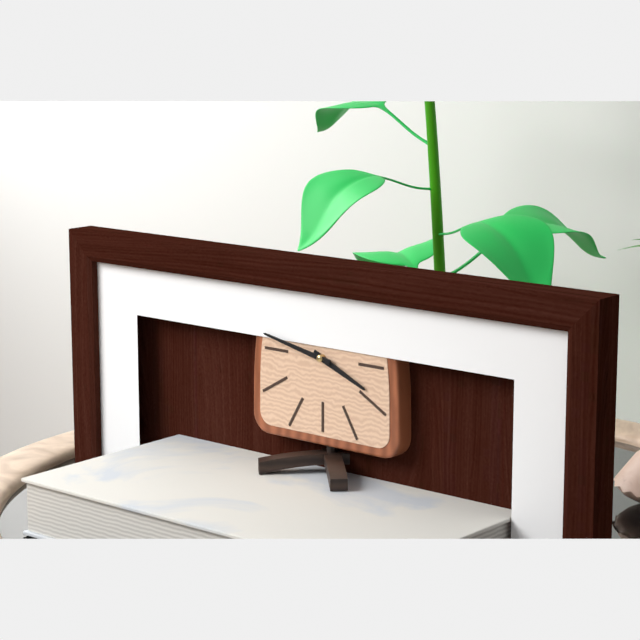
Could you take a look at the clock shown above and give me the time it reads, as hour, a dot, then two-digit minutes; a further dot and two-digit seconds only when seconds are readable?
3.47
